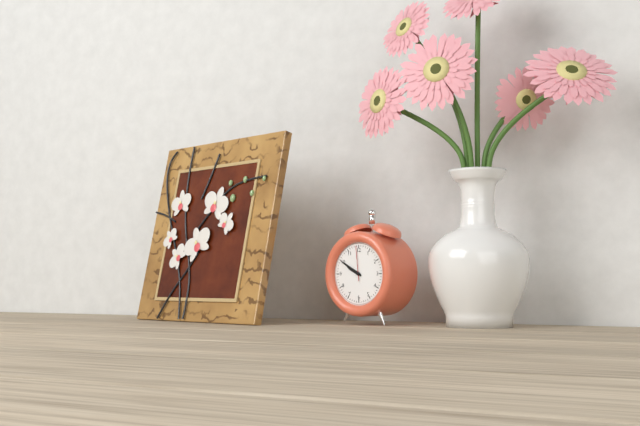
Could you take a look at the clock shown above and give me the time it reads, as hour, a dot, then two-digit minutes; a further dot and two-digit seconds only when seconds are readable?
9.50
